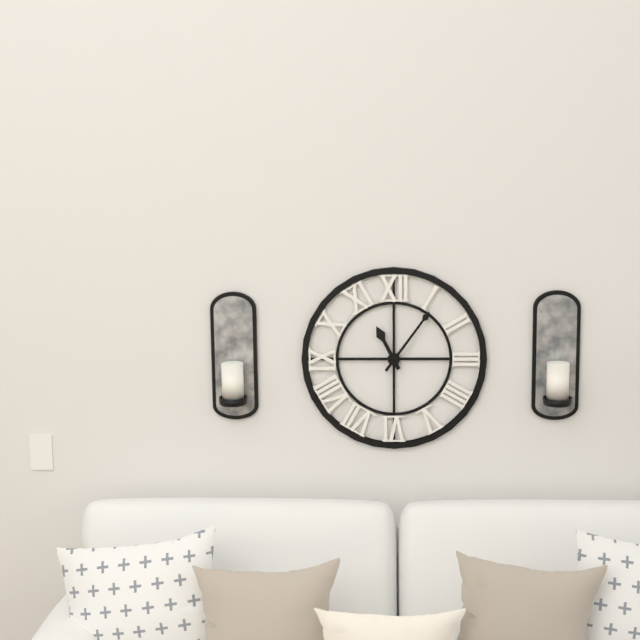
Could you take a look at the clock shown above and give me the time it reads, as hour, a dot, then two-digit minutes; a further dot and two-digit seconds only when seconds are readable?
11.06
